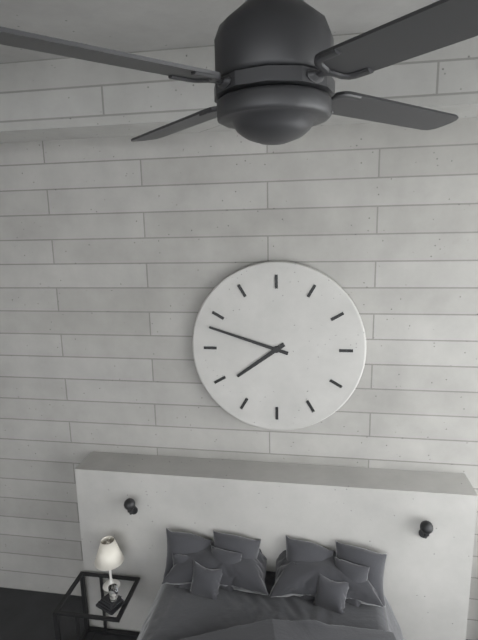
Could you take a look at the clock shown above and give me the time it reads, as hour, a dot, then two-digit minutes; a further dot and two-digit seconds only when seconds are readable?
7.48
